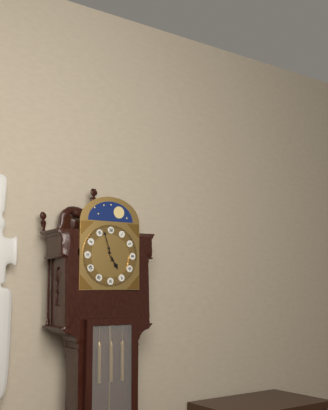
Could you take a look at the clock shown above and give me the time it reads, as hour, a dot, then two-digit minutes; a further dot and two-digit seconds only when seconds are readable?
4.57
